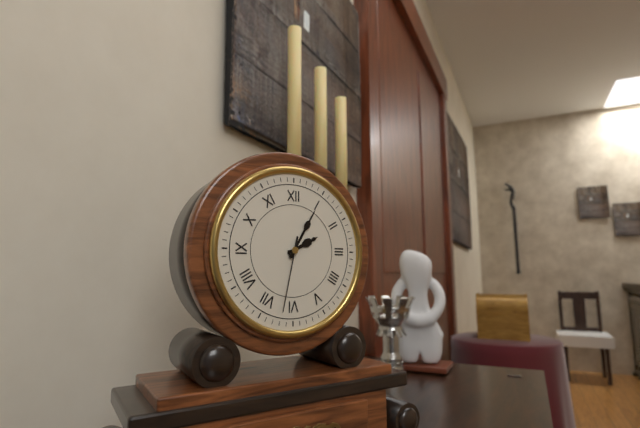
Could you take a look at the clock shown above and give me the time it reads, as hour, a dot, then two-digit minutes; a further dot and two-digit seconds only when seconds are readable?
2.05.32
